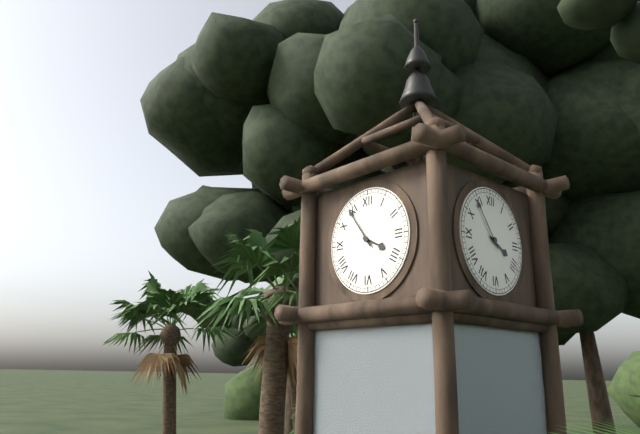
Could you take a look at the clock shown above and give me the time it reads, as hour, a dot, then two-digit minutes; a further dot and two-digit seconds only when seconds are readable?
3.54
